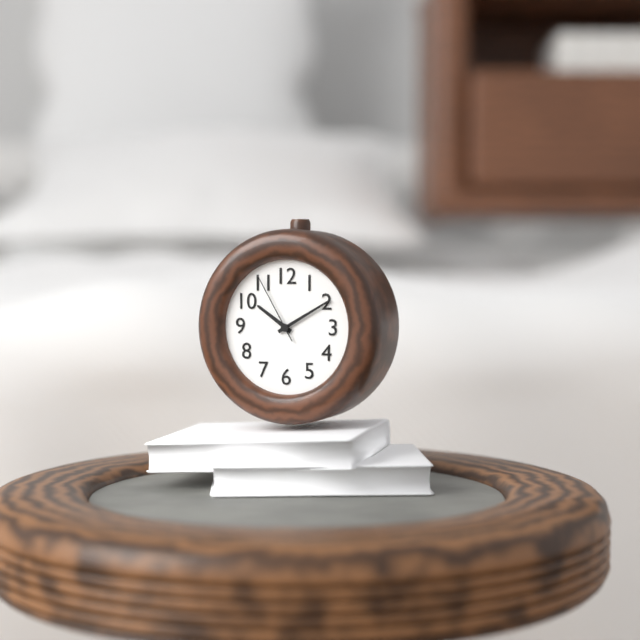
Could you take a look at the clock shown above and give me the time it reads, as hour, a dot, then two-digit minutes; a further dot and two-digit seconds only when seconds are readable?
10.10.55
